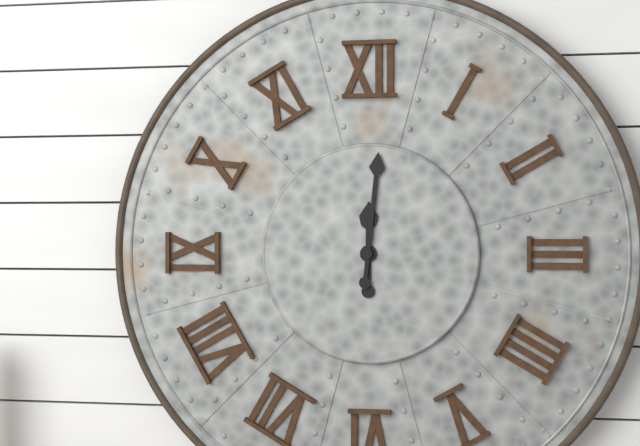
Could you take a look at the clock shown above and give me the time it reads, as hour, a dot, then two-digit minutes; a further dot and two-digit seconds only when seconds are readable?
12.01
